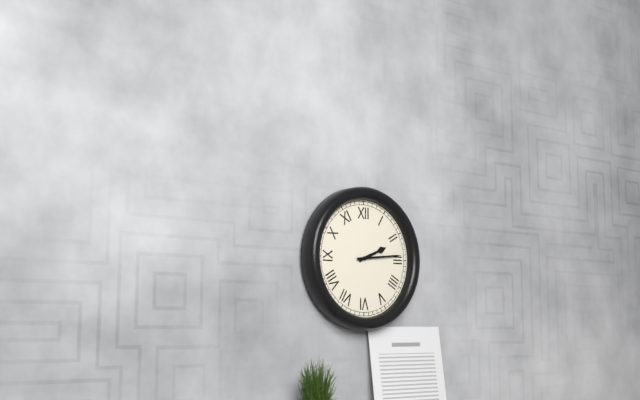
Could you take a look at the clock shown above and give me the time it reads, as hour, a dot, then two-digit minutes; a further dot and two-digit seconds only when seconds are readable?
2.14
